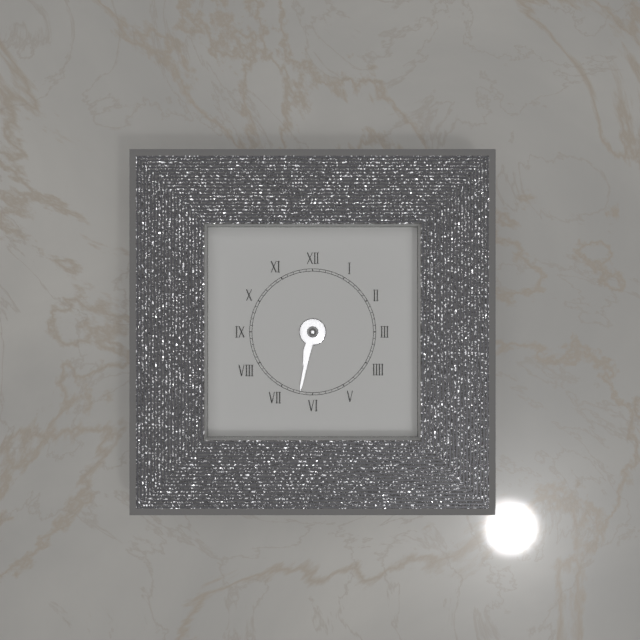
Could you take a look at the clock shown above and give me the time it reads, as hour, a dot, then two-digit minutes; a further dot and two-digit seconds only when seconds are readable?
6.32
